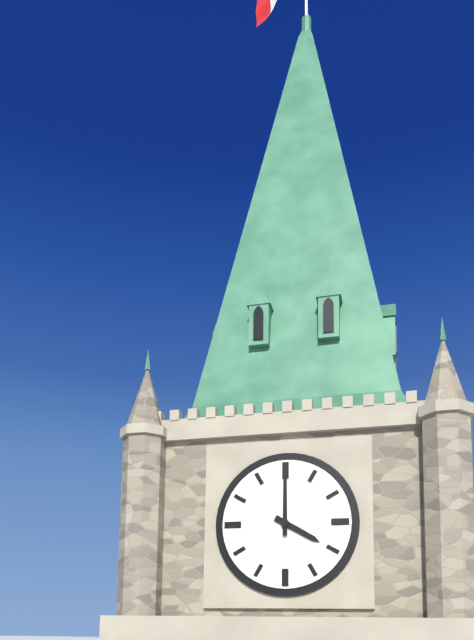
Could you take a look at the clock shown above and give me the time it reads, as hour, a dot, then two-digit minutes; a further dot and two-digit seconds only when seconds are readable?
4.00
